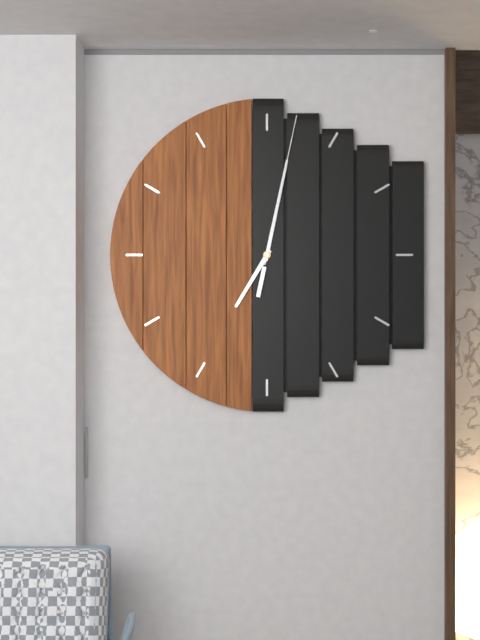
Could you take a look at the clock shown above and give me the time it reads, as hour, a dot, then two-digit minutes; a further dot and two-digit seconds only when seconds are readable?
7.02.02
